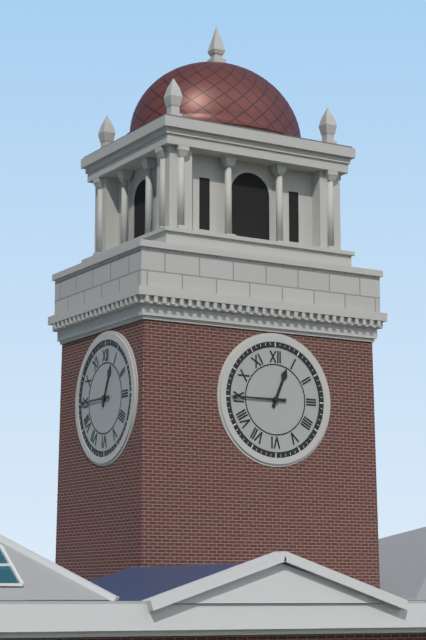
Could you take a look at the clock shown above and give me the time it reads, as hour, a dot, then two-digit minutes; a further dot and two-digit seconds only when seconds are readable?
12.45
